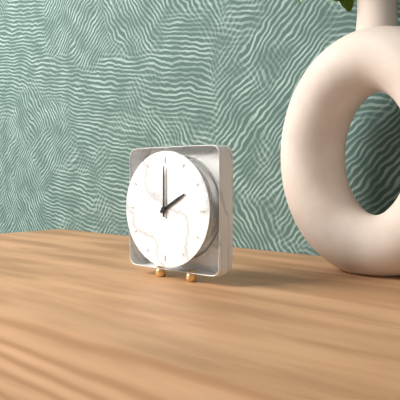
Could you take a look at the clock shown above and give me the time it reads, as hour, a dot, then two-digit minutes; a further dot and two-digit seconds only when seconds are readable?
2.00
